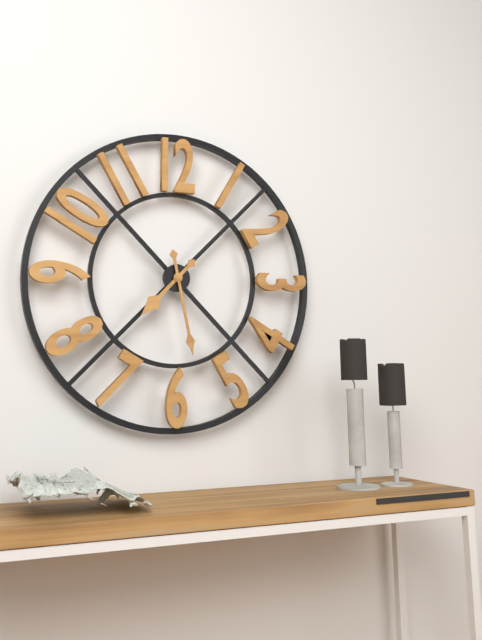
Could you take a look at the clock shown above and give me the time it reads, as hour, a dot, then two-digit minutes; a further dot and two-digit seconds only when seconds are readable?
7.28
